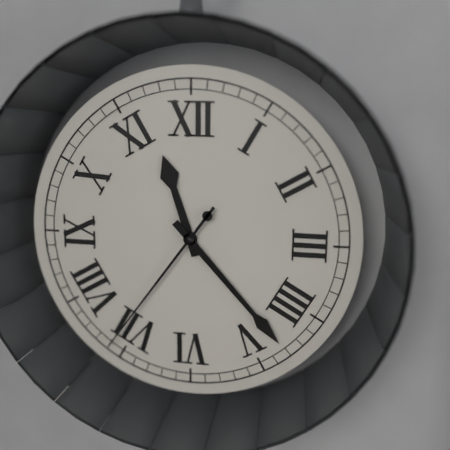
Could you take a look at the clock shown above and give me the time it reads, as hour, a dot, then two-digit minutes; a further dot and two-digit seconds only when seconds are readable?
11.23.36
